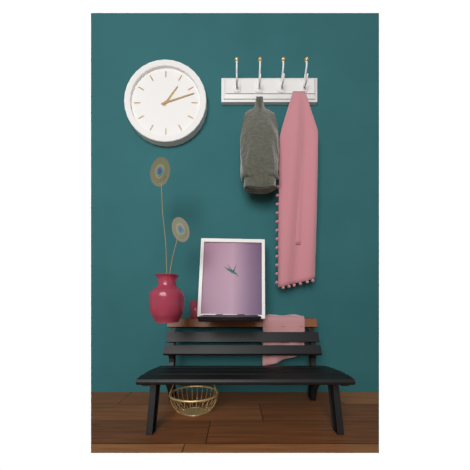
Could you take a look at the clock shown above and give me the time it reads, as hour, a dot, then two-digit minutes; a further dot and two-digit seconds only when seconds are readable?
1.12
